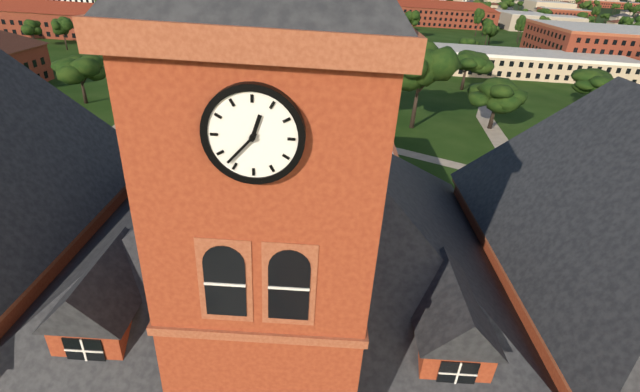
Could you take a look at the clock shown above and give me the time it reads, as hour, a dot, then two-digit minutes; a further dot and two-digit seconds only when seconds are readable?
12.37
